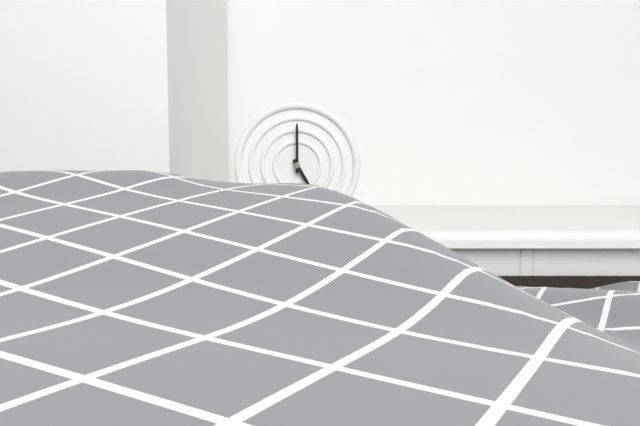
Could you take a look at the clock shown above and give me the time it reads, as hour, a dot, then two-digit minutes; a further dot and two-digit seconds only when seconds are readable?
5.00
